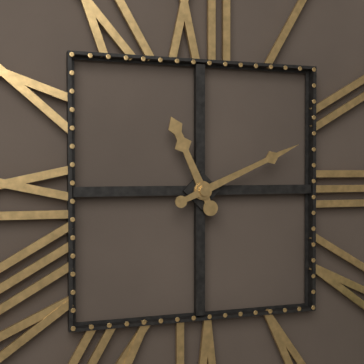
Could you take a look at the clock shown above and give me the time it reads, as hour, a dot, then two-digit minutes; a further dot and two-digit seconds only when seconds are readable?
11.11
